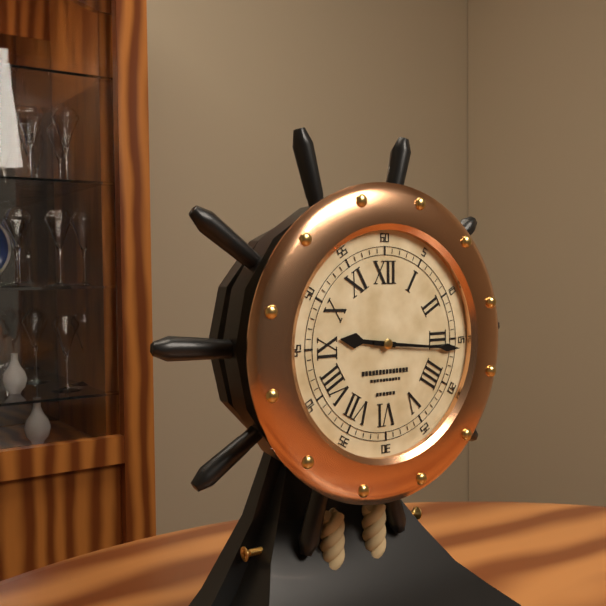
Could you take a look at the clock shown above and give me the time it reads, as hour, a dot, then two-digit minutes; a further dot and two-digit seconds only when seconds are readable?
9.16
